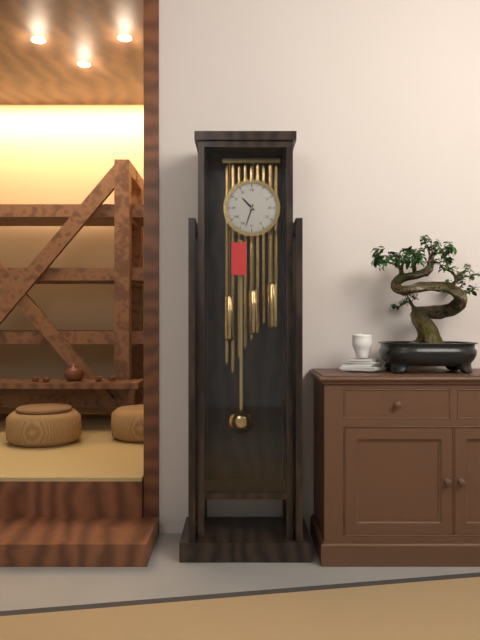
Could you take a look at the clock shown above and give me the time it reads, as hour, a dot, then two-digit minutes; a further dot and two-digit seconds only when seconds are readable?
10.33
